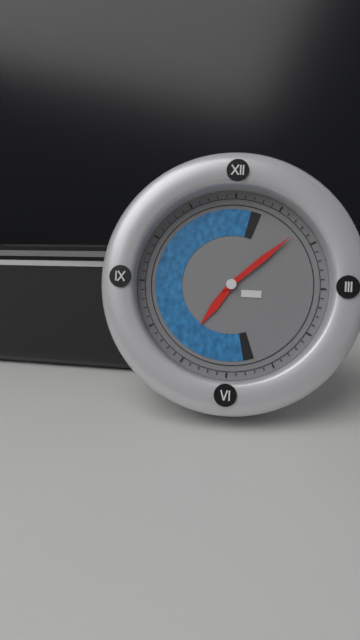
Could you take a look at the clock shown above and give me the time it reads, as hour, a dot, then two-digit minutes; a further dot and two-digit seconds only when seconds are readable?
7.08
